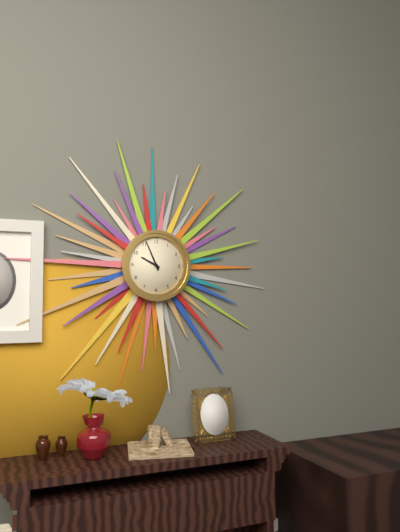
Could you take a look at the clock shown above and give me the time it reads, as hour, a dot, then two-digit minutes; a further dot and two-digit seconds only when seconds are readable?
9.56
